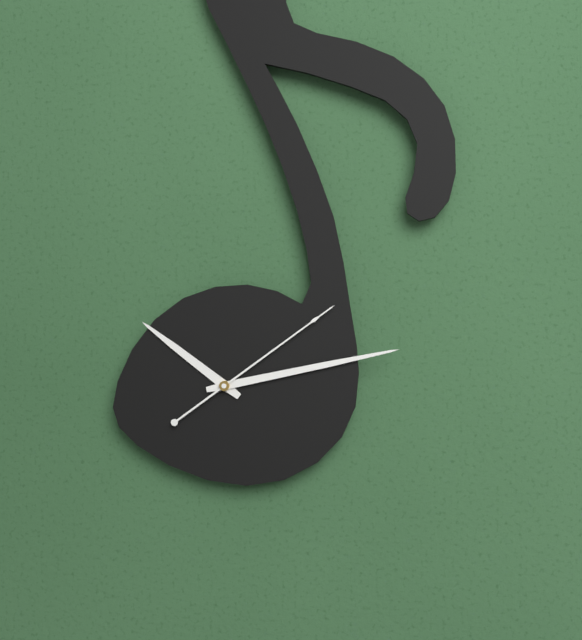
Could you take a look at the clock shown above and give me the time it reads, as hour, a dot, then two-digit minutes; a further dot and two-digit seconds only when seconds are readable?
10.13.09
